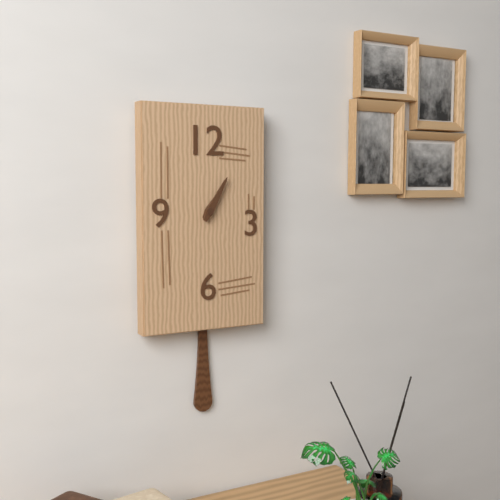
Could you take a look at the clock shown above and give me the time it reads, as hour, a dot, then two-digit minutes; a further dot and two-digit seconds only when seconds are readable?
1.05
